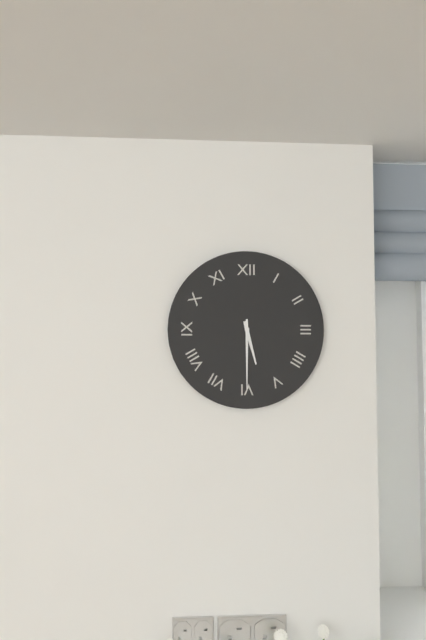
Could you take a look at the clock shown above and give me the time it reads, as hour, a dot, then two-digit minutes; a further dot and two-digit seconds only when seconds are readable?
5.30
